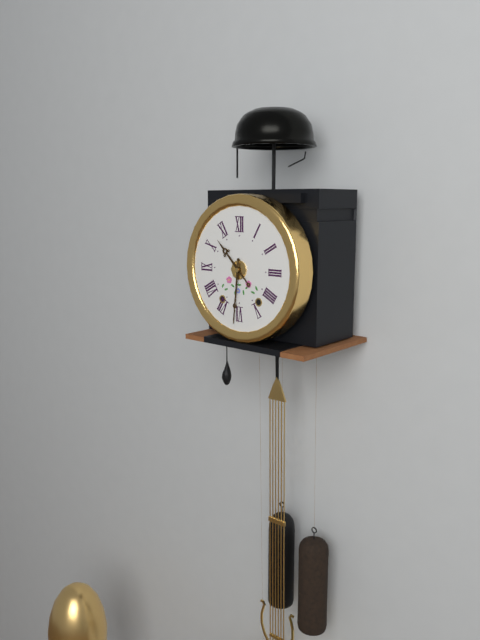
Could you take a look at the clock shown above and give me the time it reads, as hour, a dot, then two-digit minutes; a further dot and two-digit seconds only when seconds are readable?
10.31
